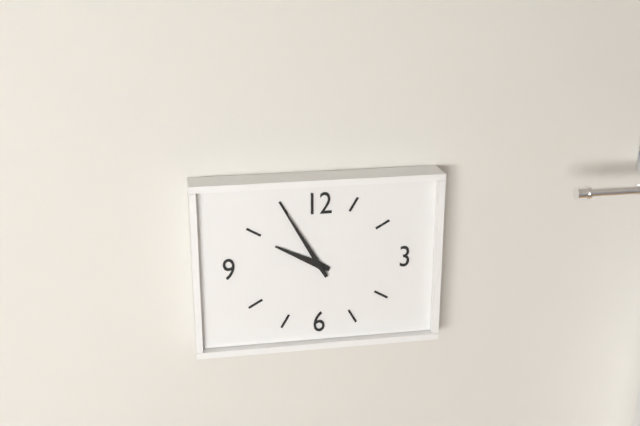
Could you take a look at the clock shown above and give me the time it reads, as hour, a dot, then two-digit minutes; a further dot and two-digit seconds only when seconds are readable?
9.55
